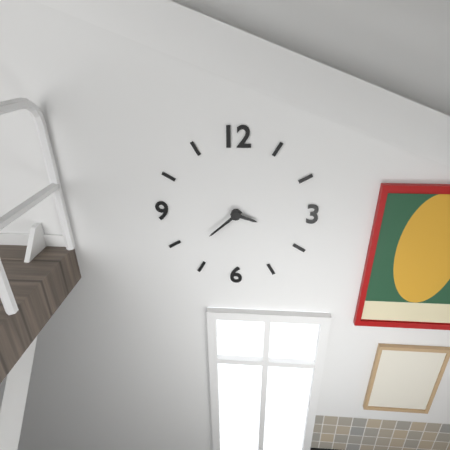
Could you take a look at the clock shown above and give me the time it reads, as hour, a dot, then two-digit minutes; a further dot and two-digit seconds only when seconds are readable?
3.38
